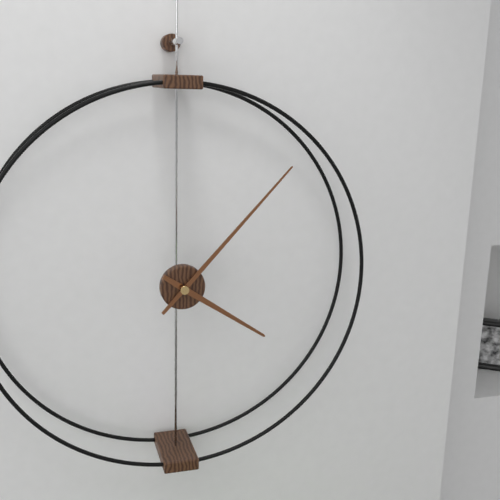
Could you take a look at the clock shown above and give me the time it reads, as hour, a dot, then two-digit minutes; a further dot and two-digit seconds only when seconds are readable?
4.07
